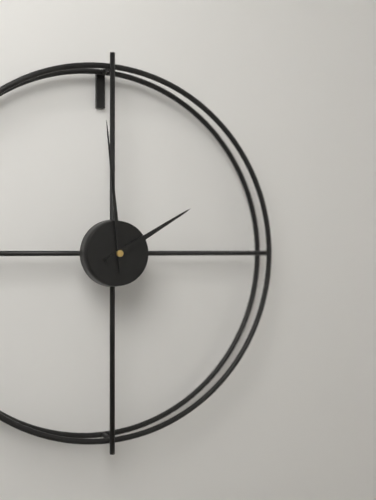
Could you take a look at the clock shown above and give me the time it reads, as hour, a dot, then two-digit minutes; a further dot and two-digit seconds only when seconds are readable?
1.59
